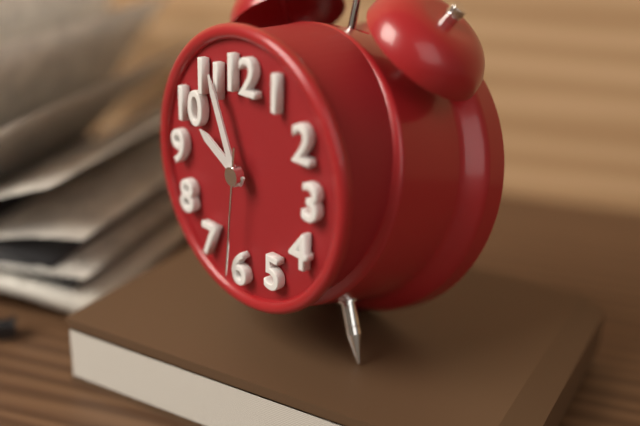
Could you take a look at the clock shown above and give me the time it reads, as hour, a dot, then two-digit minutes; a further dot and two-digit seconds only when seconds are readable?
9.56.31
